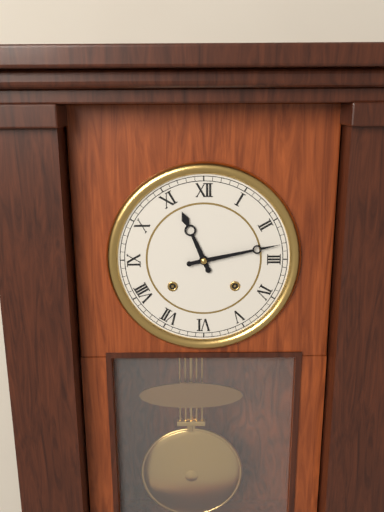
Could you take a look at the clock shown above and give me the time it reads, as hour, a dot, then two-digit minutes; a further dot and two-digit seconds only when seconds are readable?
11.13
